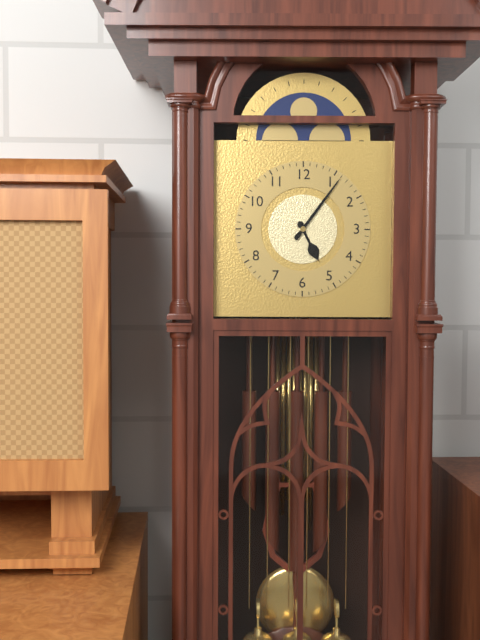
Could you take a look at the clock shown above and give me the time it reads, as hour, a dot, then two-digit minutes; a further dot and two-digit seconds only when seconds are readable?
5.06
